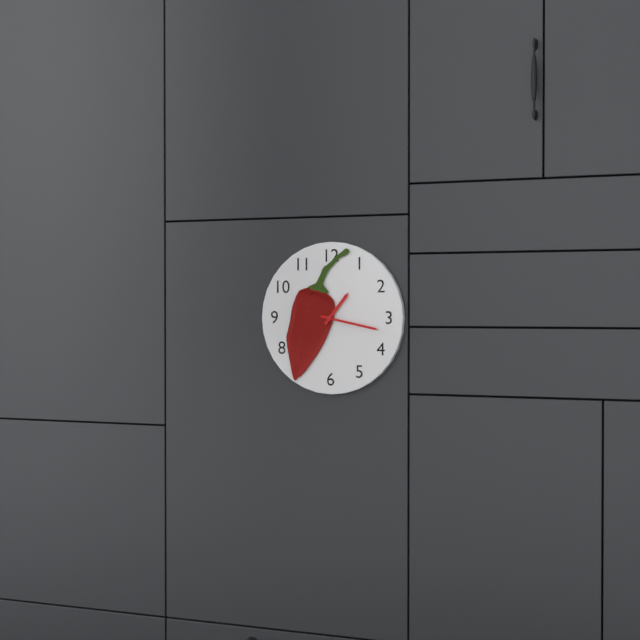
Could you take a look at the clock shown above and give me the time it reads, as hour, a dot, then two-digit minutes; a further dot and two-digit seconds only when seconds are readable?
1.17
